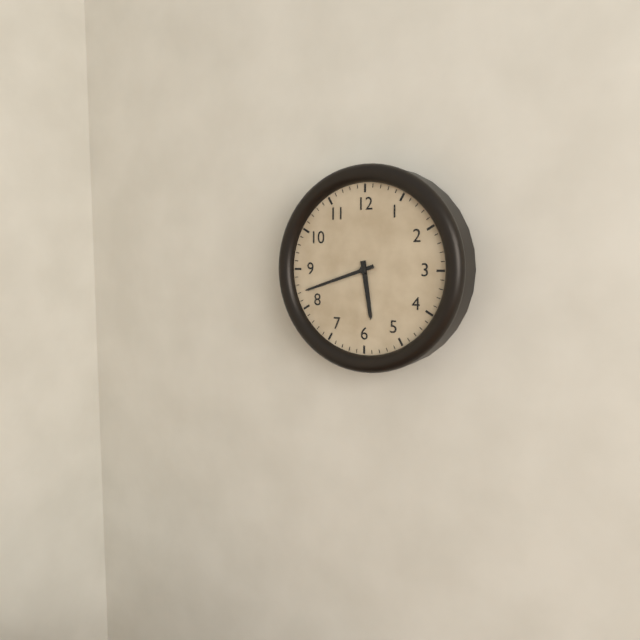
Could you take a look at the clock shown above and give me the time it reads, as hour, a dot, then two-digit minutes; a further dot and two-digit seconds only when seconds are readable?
5.42
